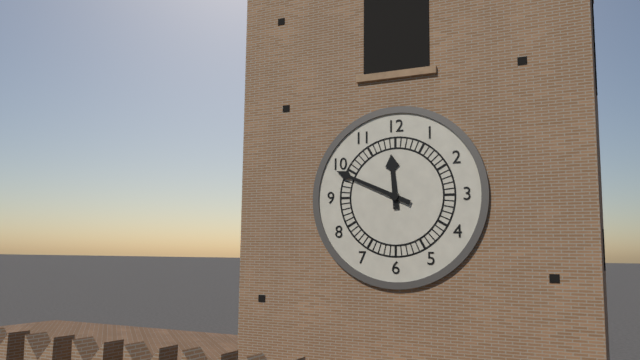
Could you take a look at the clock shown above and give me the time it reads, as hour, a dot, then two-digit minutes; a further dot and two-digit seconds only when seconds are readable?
11.49
